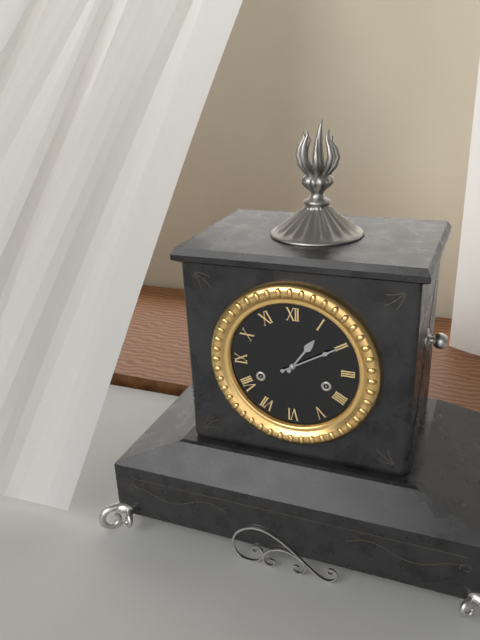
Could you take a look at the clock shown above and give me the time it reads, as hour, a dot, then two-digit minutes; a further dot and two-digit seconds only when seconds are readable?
1.10
